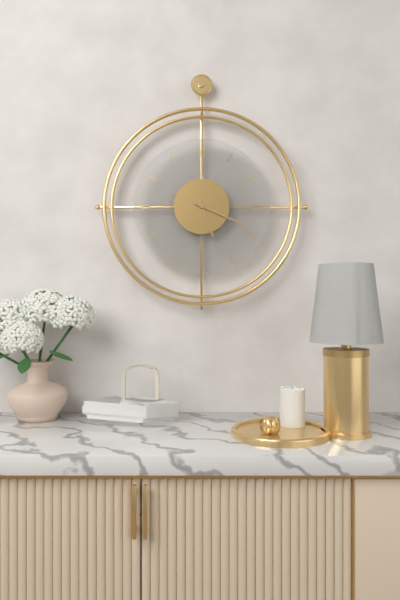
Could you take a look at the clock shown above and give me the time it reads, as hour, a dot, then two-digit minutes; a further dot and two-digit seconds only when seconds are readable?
5.19
